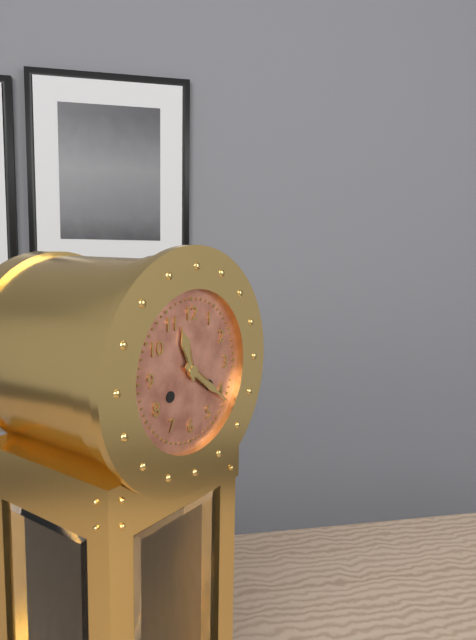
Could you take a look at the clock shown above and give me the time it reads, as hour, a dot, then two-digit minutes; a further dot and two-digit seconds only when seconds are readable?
11.21
